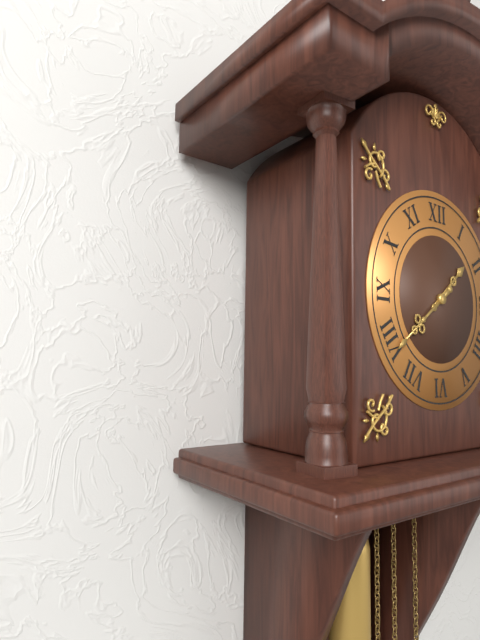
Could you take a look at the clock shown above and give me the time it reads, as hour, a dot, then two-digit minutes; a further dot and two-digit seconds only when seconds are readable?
1.39
